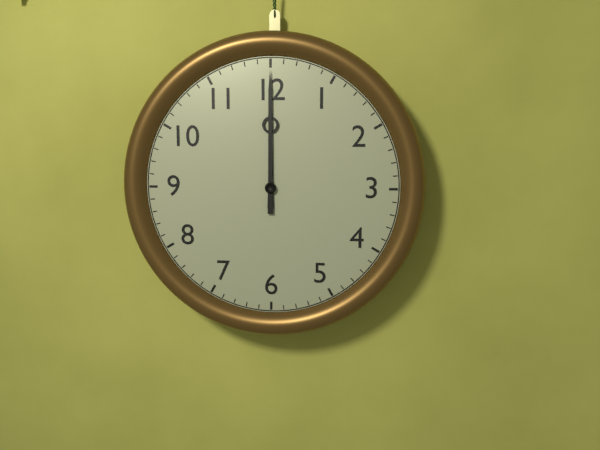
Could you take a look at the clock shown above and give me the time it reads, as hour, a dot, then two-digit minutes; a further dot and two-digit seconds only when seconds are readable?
12.00
